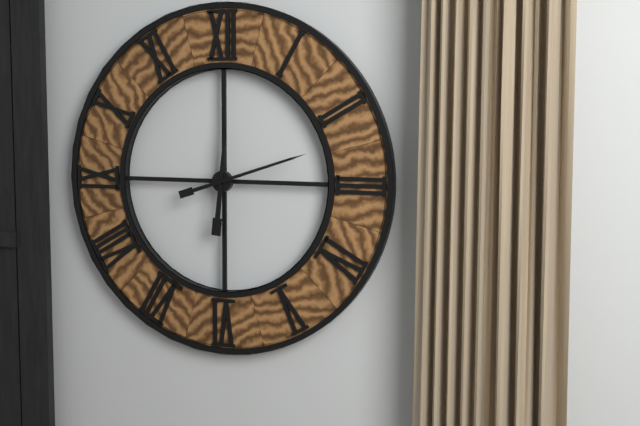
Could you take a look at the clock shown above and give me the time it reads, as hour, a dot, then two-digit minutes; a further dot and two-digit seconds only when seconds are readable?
12.12
